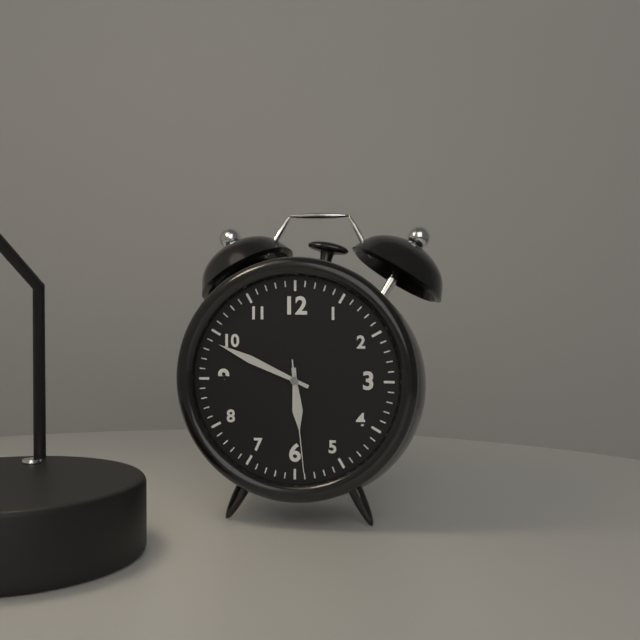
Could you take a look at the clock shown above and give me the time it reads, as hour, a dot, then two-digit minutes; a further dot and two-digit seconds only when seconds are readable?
5.49.29
